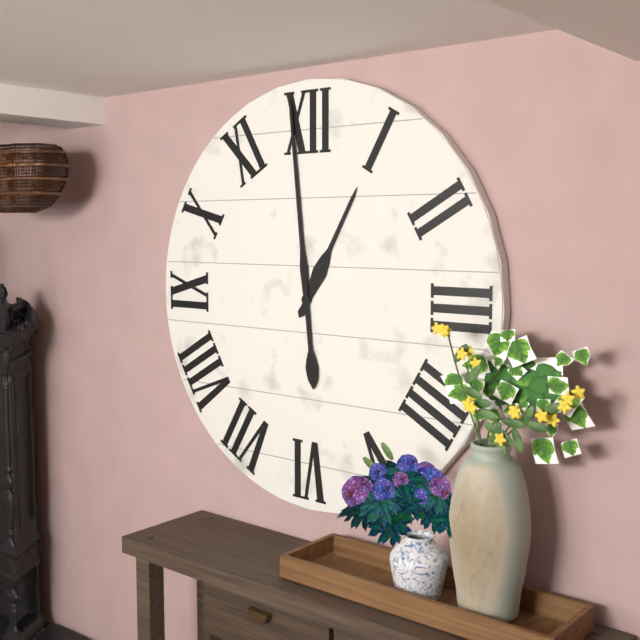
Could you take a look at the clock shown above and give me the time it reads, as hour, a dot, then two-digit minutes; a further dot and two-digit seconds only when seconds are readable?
12.59
